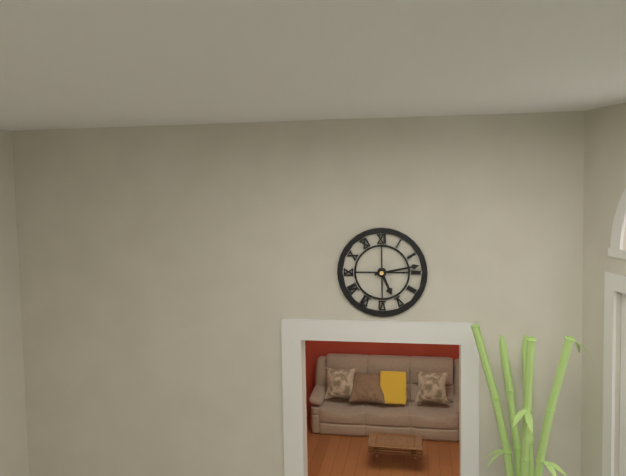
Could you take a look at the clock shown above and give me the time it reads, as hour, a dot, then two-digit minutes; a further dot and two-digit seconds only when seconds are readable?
5.13
